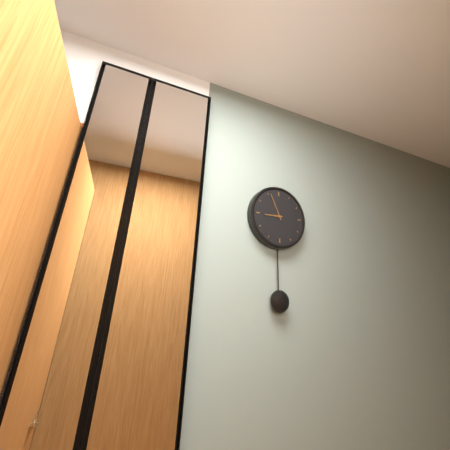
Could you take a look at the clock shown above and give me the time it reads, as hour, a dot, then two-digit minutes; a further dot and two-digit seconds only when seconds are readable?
8.56
